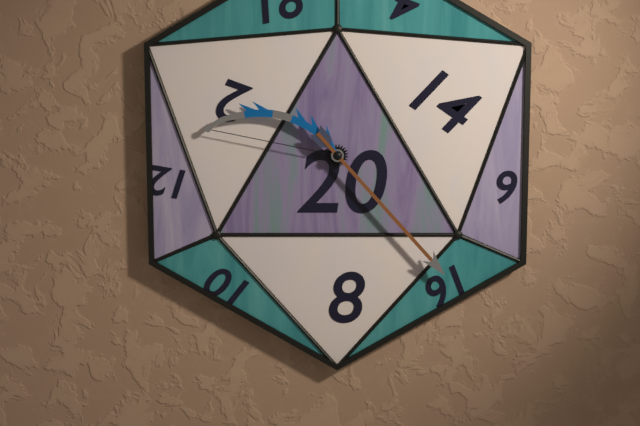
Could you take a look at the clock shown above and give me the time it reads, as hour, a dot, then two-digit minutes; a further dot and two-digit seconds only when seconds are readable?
9.23
